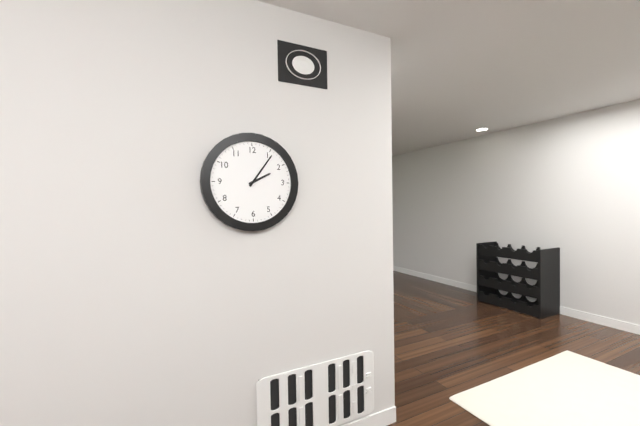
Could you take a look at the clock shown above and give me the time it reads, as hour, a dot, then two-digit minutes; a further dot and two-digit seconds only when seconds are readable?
2.06
